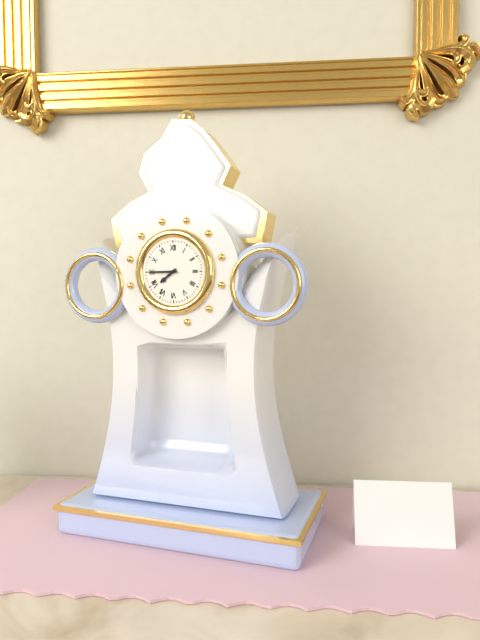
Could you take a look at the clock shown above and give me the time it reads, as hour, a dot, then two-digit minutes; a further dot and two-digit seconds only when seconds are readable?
7.45
